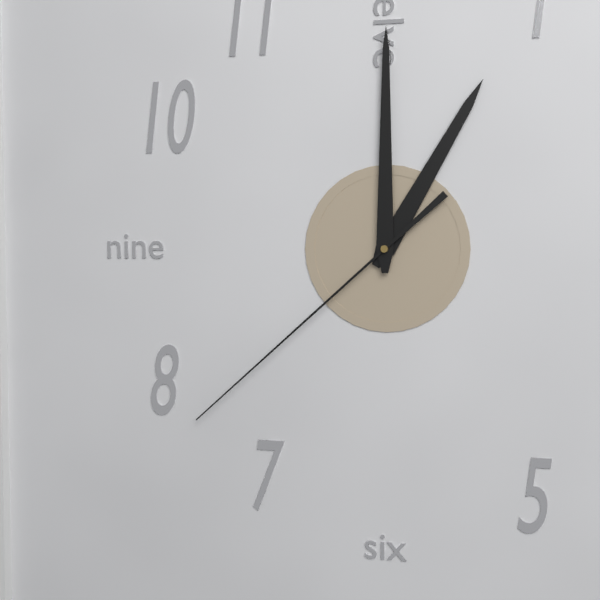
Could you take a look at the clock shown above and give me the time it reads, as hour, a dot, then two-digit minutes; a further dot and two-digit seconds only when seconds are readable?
1.00.38
